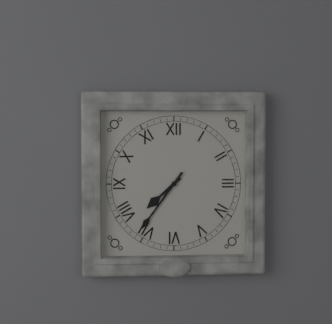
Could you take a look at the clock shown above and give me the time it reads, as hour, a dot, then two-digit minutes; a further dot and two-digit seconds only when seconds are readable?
7.36
